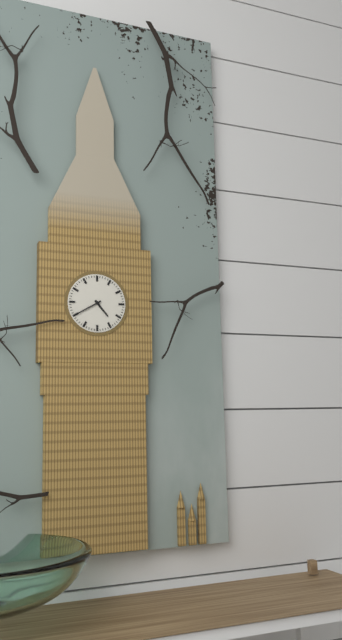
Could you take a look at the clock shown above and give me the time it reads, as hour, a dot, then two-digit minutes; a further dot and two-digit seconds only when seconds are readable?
4.40
